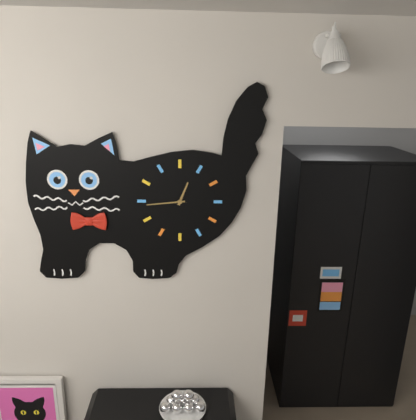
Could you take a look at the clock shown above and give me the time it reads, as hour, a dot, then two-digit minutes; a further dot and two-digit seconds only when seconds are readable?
12.44
